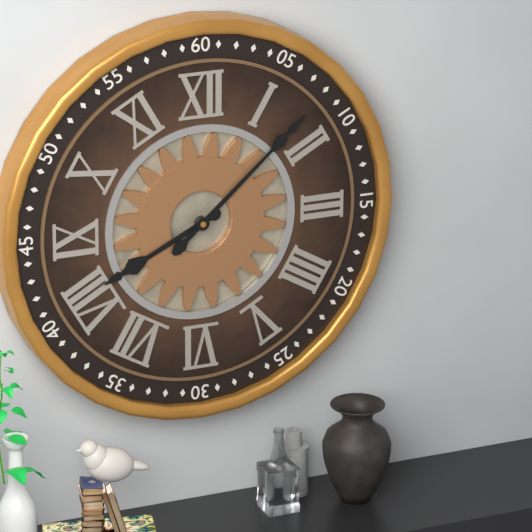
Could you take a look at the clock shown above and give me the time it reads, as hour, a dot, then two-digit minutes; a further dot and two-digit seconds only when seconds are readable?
8.08
